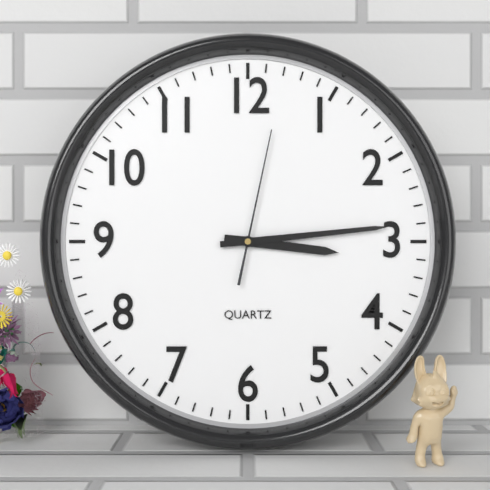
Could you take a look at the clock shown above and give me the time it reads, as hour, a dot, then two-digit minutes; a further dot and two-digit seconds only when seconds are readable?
3.14.02
